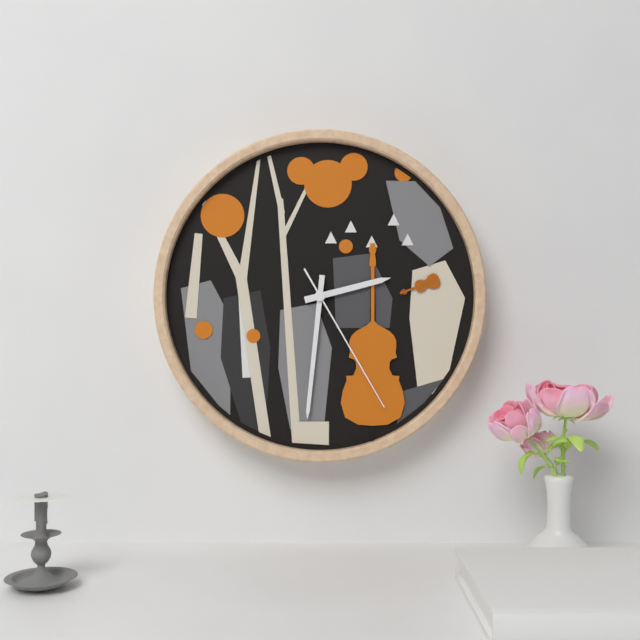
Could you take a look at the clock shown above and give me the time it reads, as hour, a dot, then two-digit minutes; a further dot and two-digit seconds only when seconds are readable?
2.31.25
